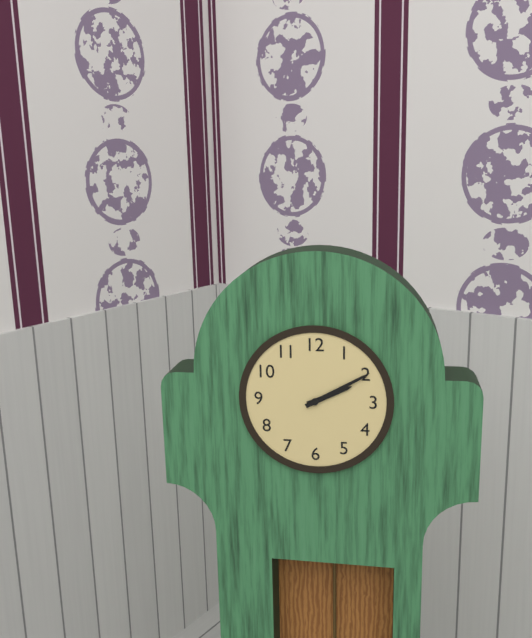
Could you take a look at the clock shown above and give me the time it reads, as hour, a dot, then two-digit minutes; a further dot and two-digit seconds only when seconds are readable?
2.10
